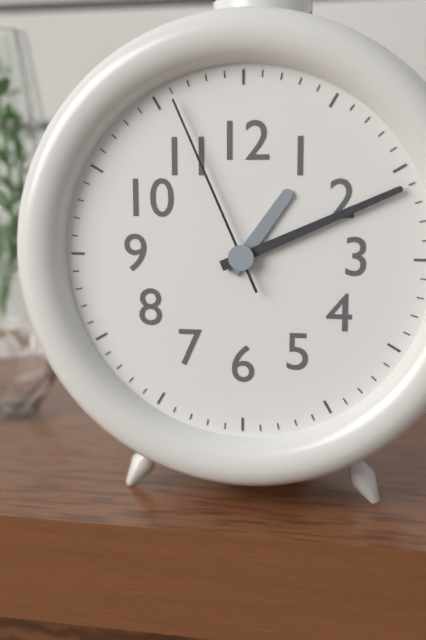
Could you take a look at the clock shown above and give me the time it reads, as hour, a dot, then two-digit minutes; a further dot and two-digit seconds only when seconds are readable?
1.11.56
